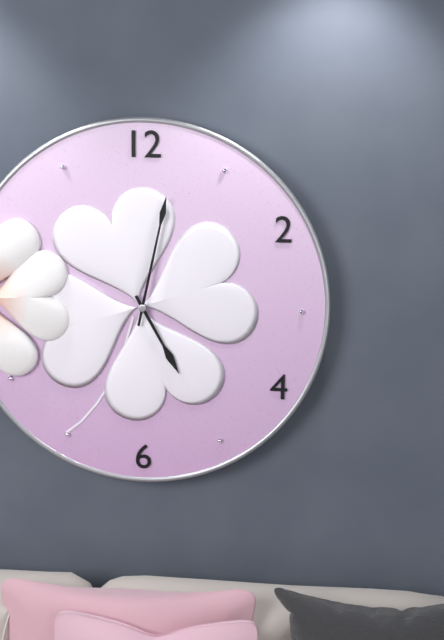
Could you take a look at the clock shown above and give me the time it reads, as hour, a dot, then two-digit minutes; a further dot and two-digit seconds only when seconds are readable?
5.02
